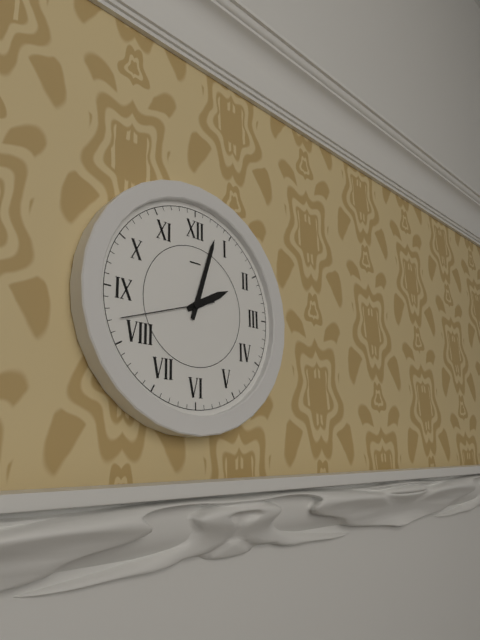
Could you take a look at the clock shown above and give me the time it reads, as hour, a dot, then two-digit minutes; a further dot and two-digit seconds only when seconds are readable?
2.03.42
